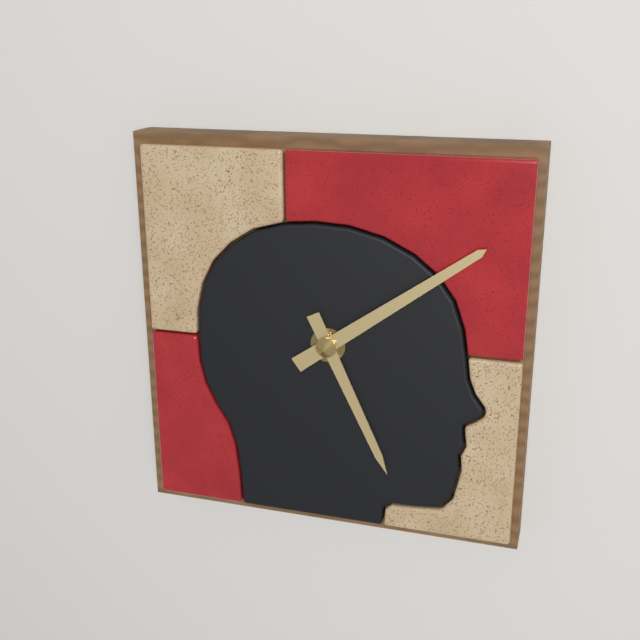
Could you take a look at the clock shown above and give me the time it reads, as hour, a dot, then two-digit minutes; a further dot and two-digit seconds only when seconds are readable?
5.09
